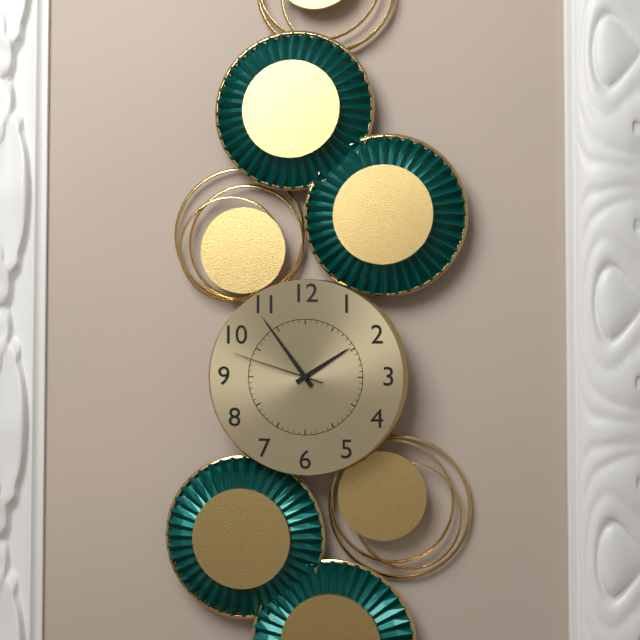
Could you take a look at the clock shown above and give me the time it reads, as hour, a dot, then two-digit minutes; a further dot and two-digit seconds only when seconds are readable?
1.54.48
